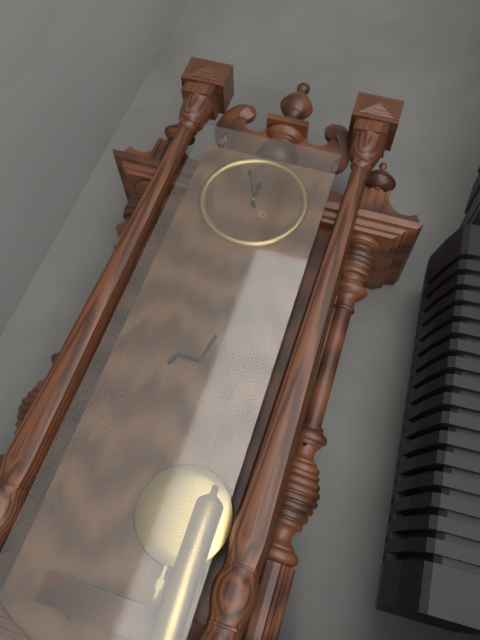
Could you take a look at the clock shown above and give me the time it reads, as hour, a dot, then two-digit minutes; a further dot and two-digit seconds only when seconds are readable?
11.56
